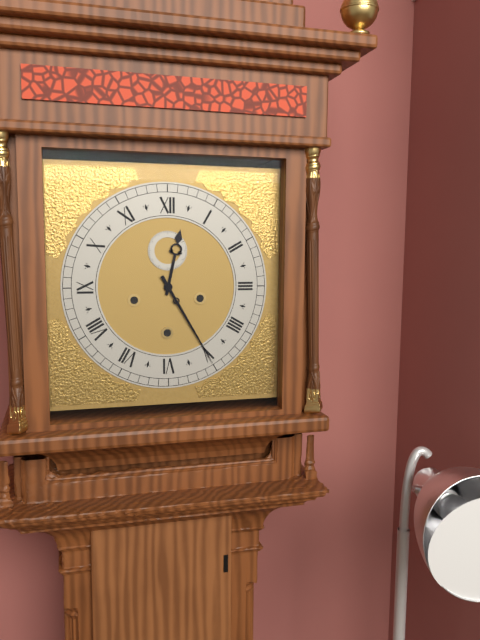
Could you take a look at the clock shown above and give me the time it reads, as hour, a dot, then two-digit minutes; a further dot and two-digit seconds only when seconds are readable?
12.25
